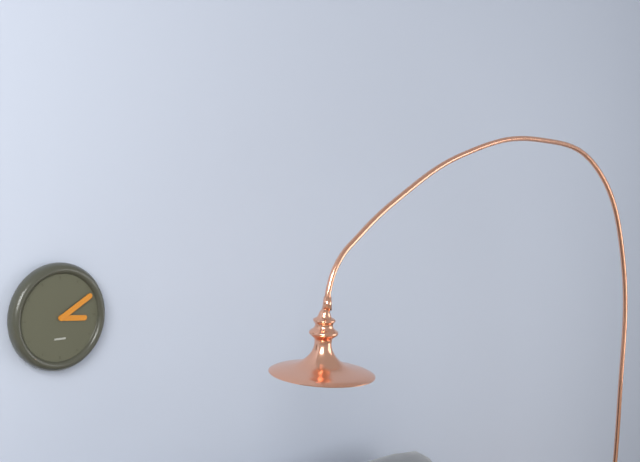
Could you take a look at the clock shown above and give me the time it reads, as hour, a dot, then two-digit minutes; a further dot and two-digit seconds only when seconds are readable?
3.10
